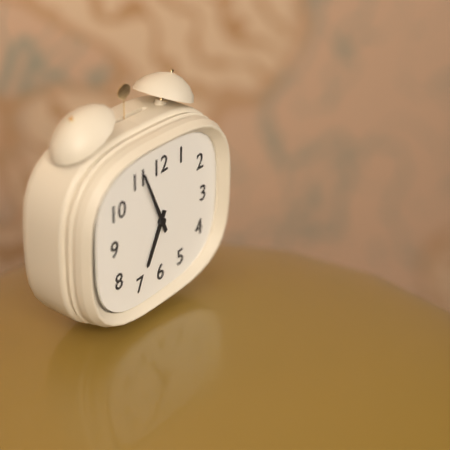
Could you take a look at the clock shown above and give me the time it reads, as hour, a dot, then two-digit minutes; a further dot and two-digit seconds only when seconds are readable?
6.56
